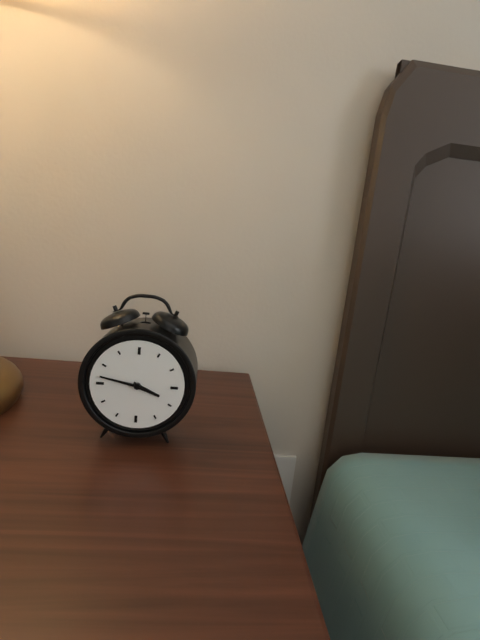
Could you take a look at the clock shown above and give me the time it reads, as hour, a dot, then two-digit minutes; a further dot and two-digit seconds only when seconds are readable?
3.47
